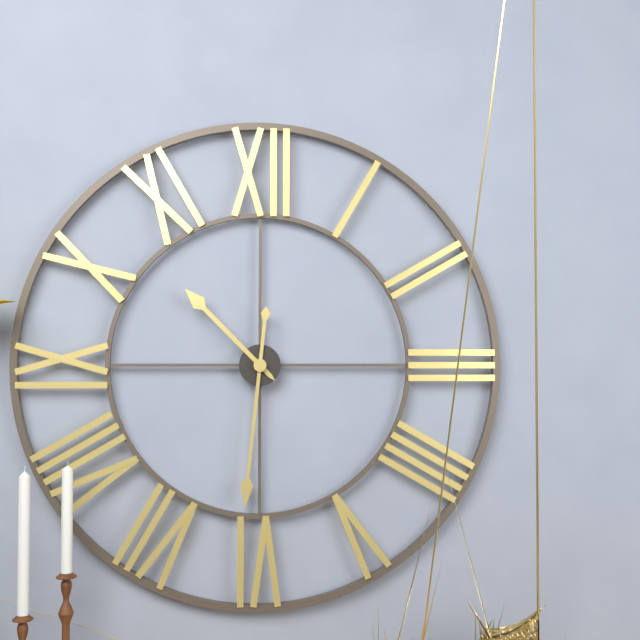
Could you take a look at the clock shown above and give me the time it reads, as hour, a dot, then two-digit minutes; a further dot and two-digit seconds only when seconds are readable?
10.31
